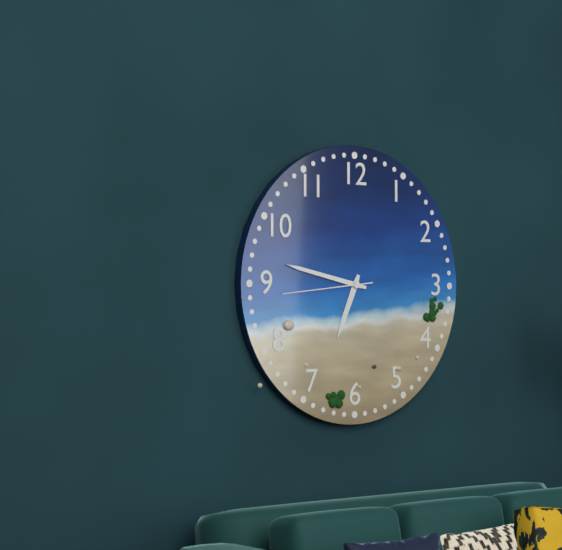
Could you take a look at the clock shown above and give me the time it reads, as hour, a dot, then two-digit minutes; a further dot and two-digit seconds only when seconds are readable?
6.47.44
